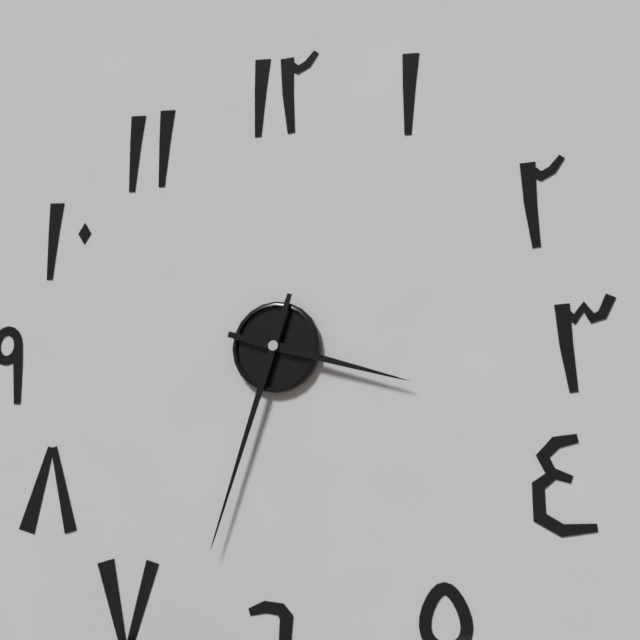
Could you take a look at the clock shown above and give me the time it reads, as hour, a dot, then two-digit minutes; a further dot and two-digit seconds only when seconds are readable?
3.33
